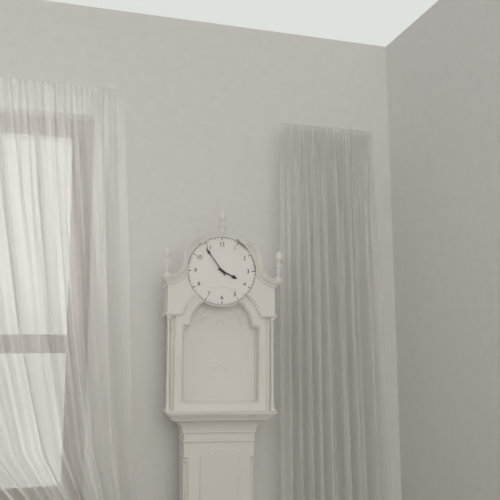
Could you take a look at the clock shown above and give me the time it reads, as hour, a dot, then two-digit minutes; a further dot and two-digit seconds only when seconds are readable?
3.54
